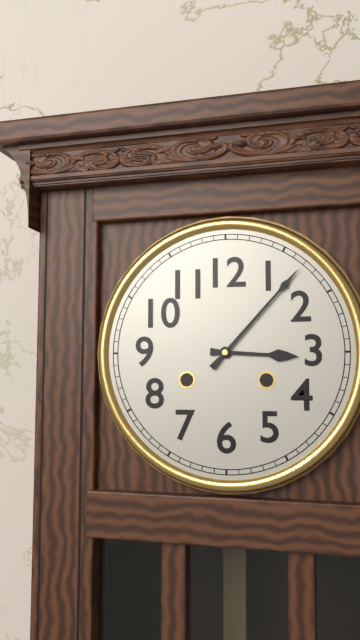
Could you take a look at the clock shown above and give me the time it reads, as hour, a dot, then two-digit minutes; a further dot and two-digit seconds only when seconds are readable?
3.07
